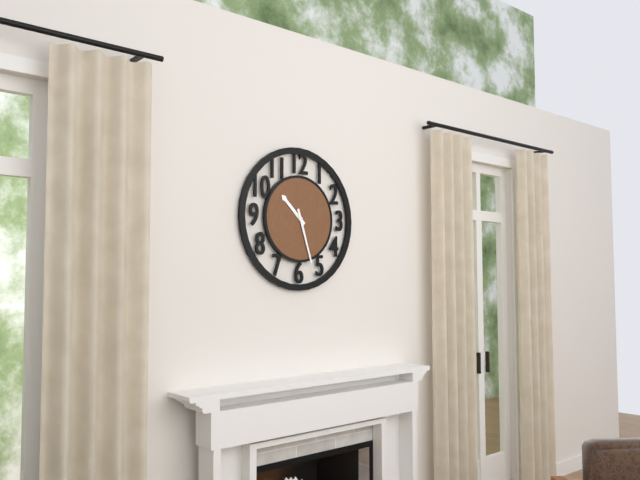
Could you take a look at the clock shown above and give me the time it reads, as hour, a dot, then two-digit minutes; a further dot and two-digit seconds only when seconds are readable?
10.27
